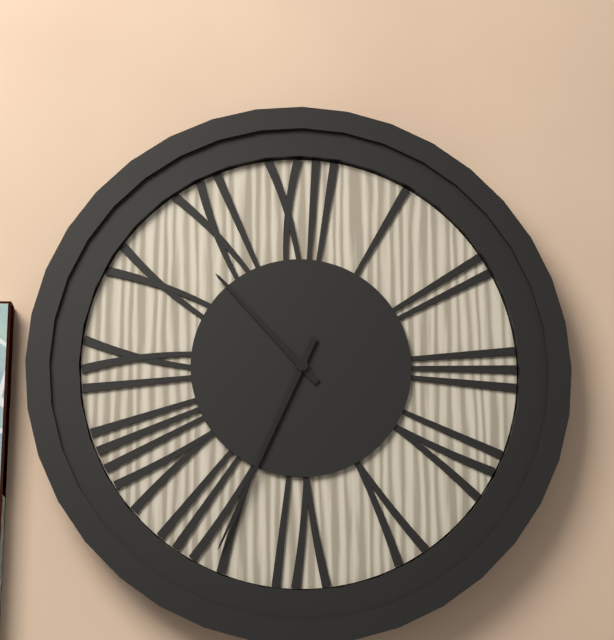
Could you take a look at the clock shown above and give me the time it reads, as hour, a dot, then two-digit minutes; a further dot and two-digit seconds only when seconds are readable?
10.34
